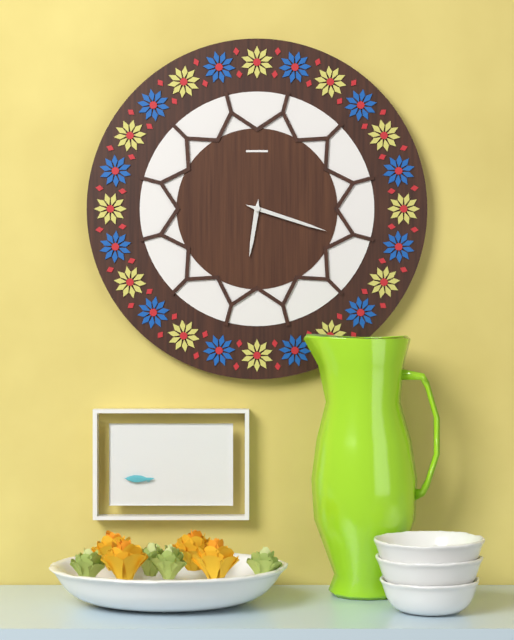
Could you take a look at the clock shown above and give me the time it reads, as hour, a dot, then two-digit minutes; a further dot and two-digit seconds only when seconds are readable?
6.18
